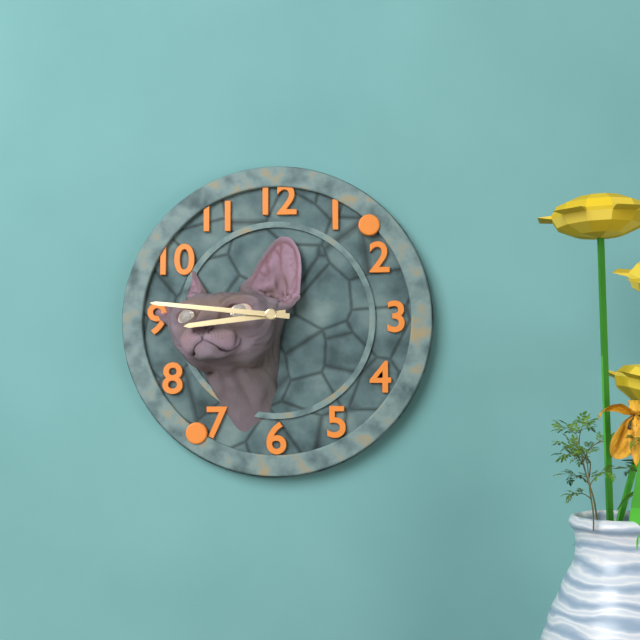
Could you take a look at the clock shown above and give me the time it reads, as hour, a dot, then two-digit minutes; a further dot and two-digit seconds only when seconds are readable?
8.46
